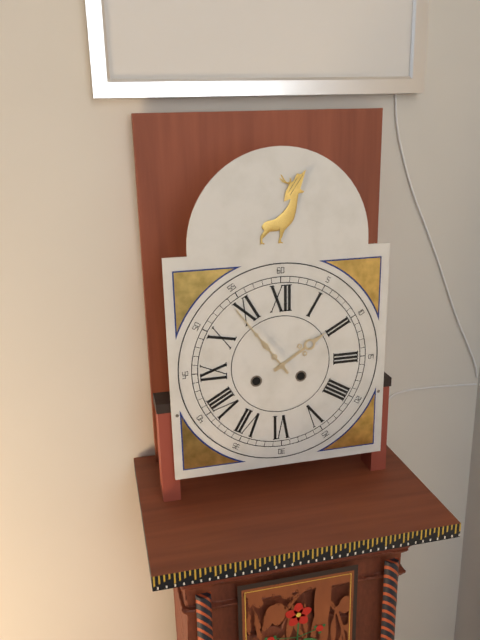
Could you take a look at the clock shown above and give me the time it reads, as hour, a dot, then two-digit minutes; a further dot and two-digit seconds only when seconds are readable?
1.54
